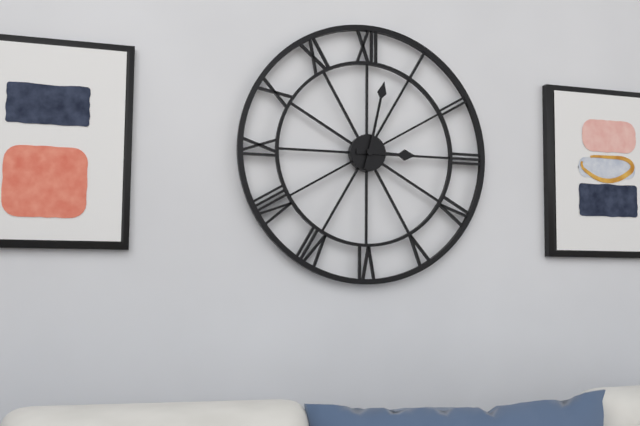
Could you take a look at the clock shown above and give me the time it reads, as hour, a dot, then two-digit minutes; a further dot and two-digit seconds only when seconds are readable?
3.02
